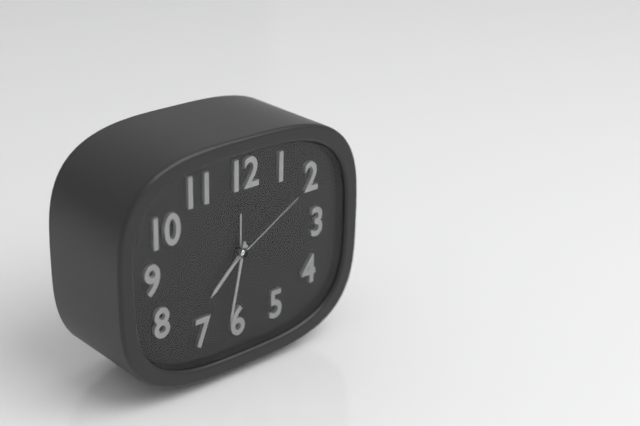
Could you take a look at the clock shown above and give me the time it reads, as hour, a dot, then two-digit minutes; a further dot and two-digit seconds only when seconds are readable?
7.32.10
